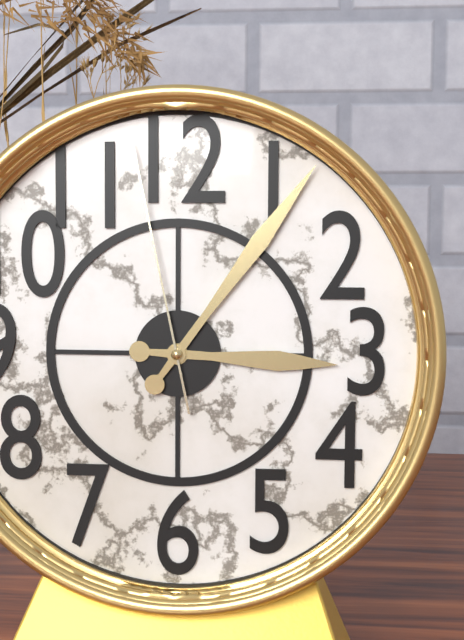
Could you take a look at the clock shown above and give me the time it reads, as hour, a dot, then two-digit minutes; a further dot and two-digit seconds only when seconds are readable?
3.06.58
